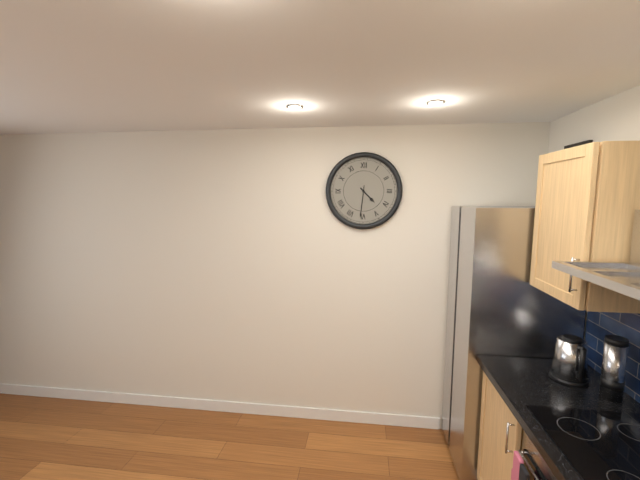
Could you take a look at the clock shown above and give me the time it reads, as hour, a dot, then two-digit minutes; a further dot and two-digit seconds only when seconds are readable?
4.31
